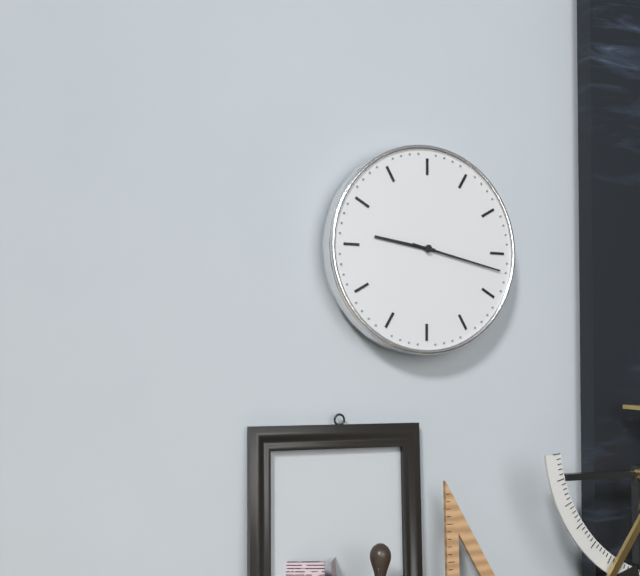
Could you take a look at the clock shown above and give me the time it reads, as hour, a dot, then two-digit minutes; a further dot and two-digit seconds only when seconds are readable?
9.17
